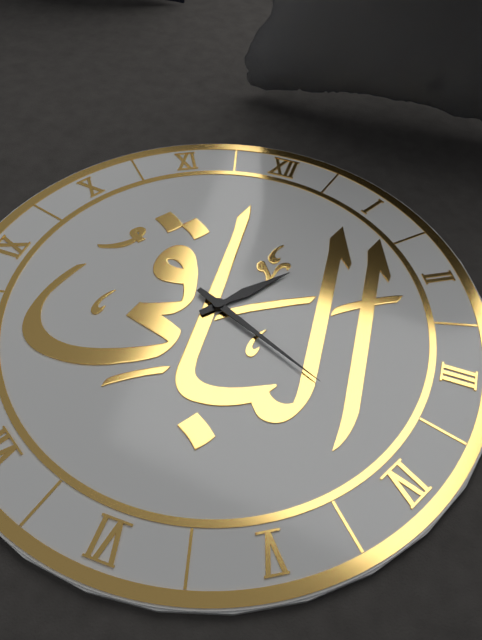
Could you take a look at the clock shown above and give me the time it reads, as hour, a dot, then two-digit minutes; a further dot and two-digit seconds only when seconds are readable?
1.19
